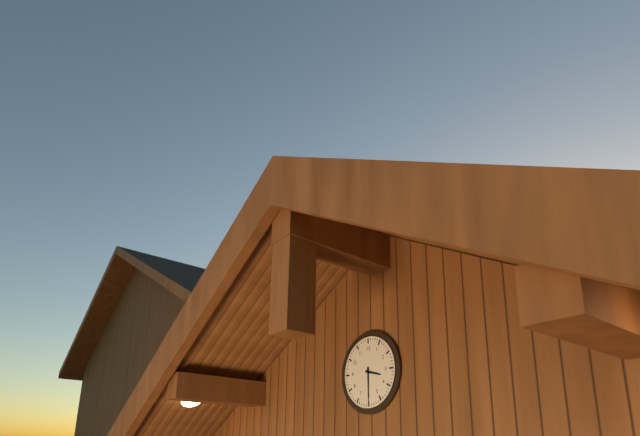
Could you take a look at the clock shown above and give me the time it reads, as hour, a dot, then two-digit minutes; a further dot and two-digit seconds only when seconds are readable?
3.30
